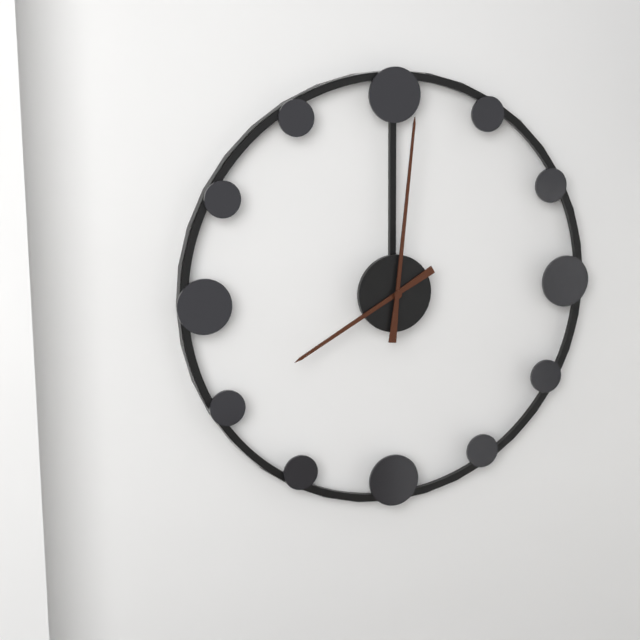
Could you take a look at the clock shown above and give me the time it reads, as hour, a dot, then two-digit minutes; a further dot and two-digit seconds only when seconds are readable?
8.01
